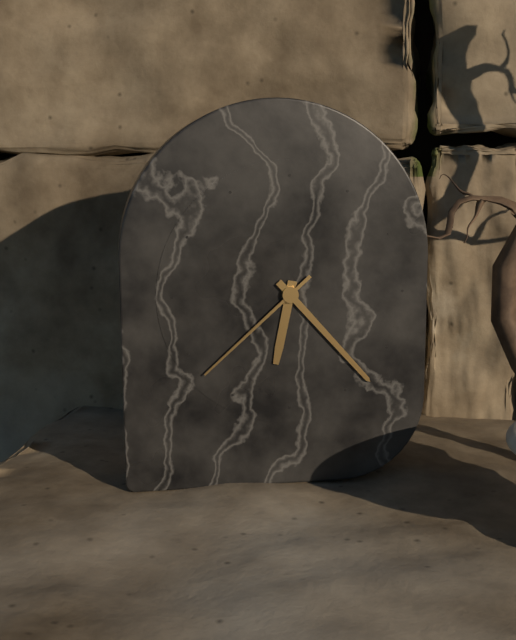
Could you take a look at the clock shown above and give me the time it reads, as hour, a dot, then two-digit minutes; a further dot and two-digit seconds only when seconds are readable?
6.23.38
